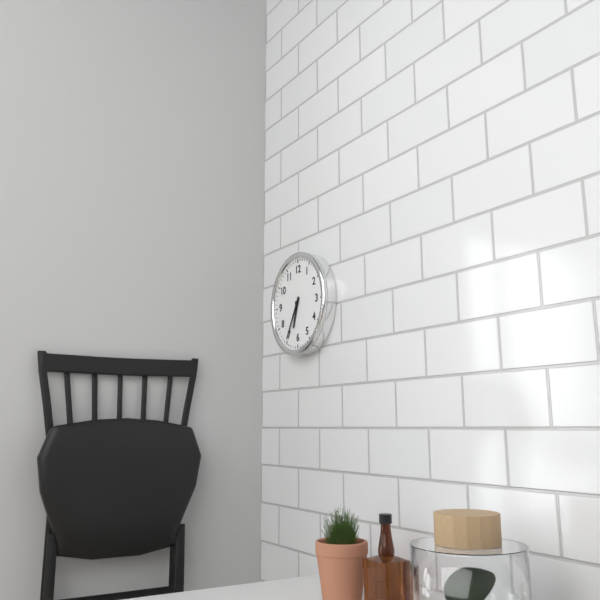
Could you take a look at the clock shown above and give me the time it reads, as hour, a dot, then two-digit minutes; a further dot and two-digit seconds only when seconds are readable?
6.35
